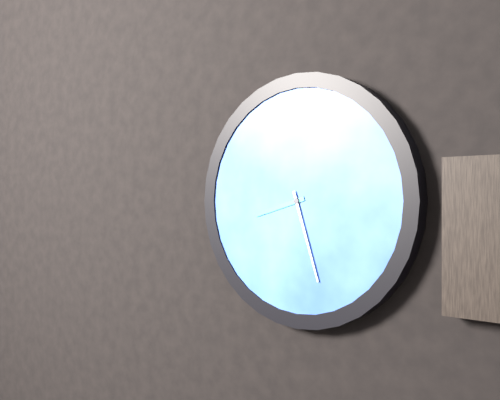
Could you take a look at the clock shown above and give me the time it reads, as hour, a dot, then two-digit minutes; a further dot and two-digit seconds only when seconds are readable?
8.27
